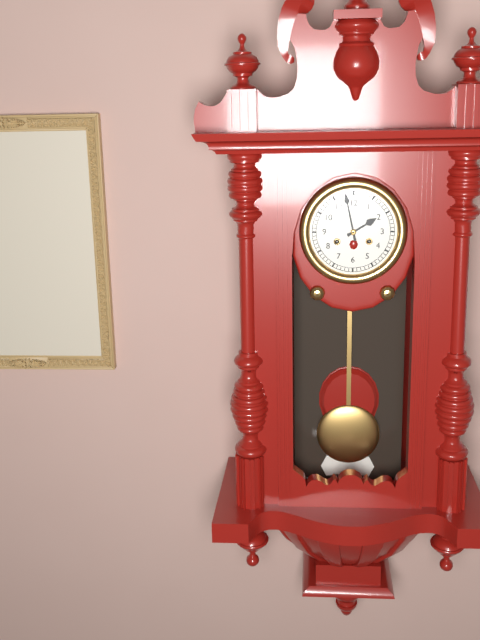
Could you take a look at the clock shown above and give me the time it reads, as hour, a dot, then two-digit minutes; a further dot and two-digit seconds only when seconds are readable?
1.58
